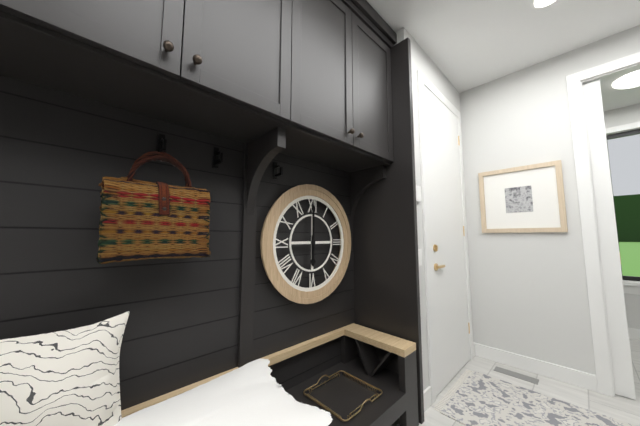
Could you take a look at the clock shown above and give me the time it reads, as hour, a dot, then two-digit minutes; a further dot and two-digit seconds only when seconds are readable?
6.00
